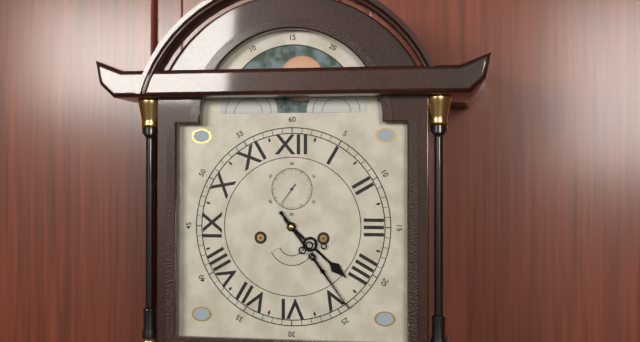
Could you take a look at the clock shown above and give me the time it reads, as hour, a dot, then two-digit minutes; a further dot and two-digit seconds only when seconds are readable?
4.24
